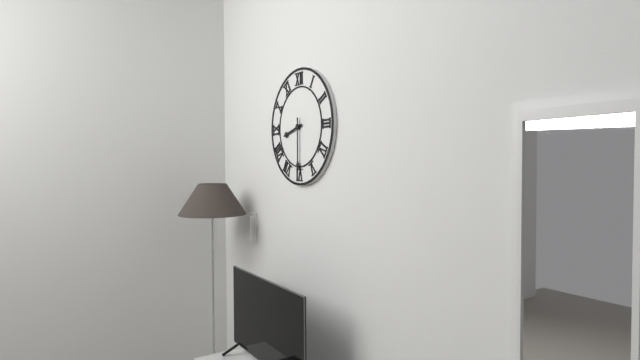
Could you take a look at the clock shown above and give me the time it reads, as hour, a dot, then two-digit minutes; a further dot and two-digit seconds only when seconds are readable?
8.30
